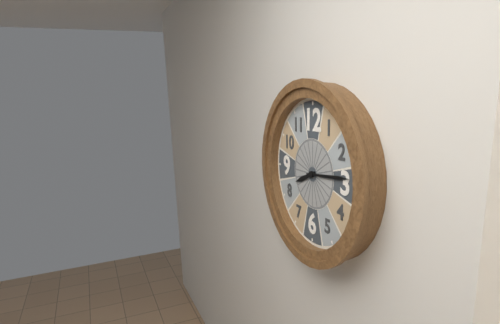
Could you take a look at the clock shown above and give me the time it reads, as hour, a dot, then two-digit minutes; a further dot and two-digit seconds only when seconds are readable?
8.14
